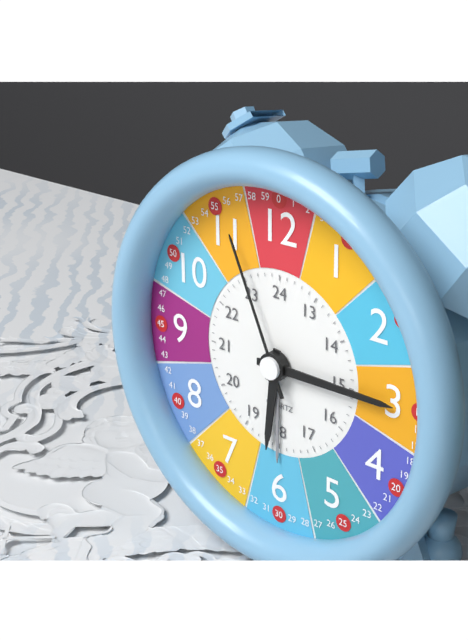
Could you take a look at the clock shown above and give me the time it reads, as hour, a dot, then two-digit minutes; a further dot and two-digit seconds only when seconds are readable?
6.15.56
